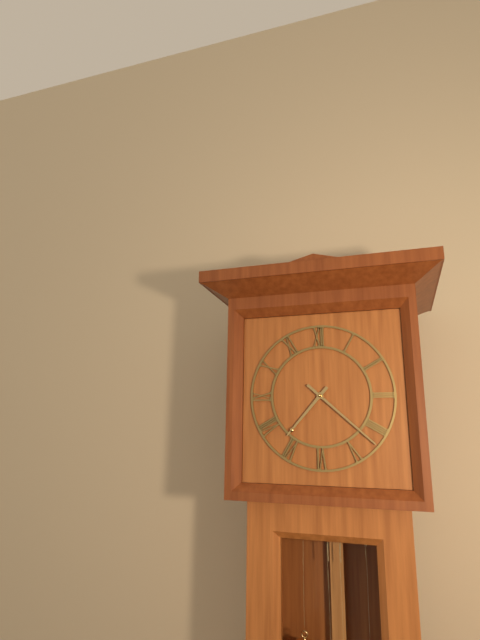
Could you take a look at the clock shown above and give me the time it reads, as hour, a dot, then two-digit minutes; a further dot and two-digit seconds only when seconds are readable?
7.22
